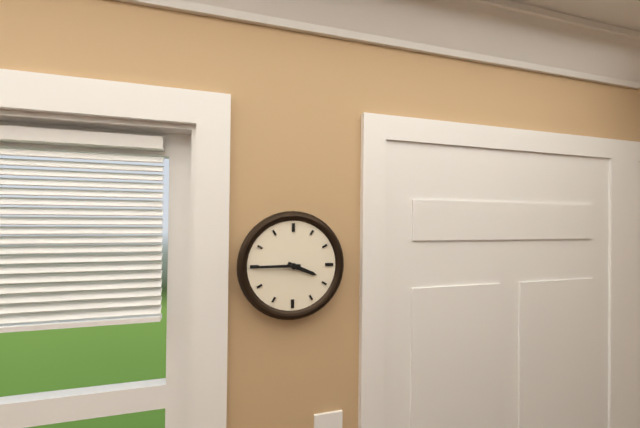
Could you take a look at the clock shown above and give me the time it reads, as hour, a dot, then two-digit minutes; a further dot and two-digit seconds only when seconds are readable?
3.45
